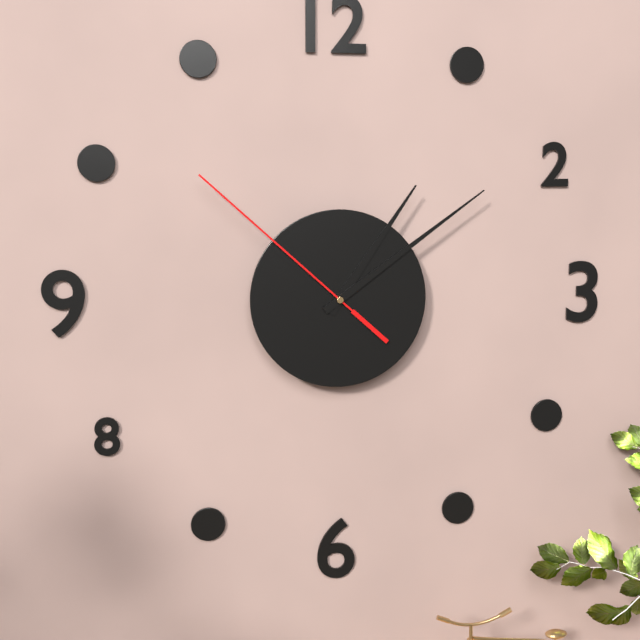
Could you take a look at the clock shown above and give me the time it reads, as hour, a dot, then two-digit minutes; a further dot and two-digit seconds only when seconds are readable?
1.09.52
